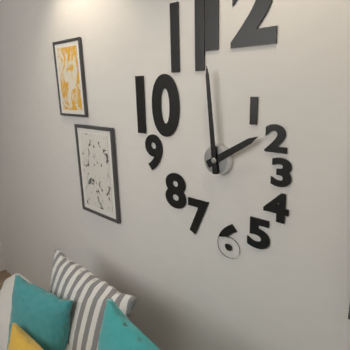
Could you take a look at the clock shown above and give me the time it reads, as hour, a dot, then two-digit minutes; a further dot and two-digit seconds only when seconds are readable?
1.59
